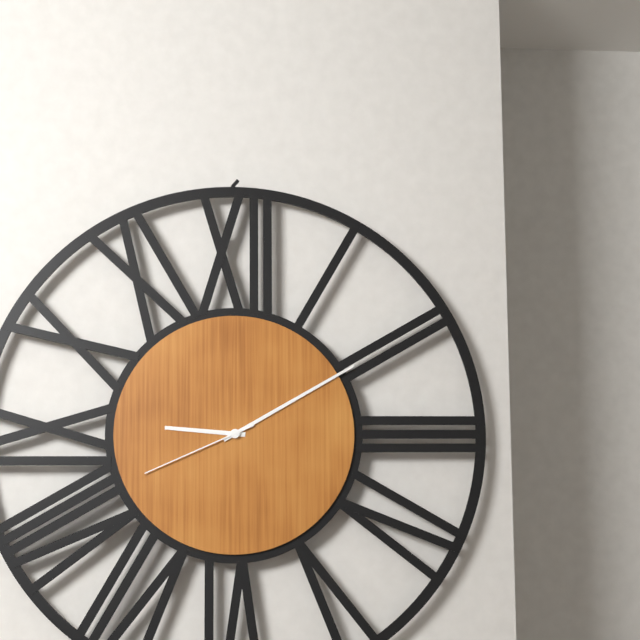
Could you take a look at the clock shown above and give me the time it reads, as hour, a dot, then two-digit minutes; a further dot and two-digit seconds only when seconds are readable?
9.10.41
